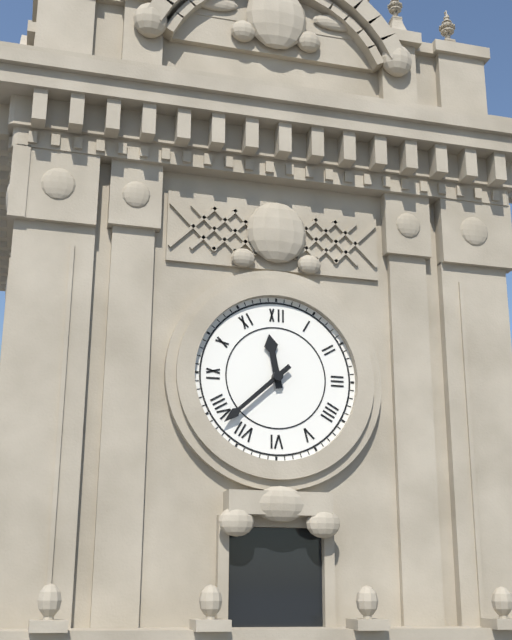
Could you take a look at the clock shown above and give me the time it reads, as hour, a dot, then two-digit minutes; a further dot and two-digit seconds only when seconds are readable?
11.38
